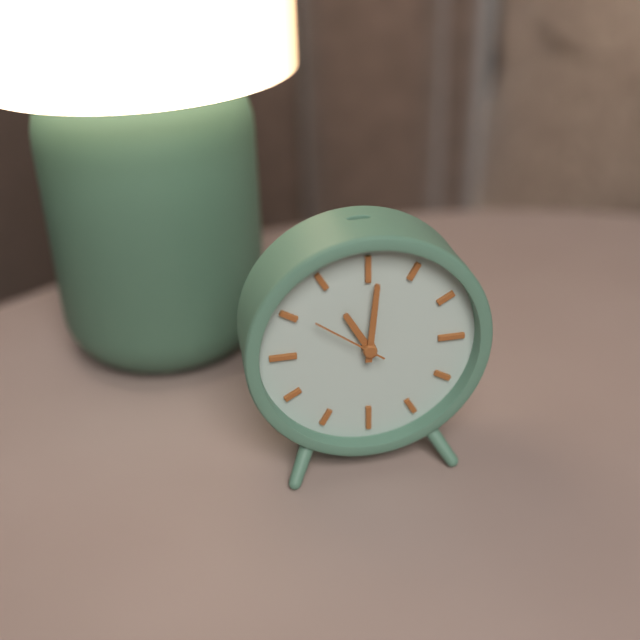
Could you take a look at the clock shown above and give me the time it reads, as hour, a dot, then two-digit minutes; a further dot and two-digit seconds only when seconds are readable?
11.01.51
